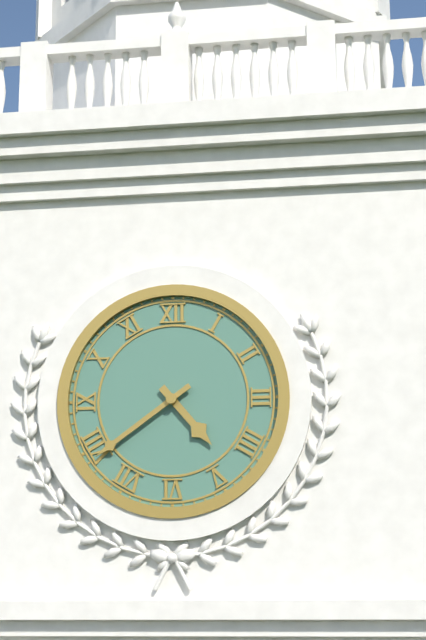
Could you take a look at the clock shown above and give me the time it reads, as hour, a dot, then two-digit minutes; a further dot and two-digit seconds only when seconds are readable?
4.39
